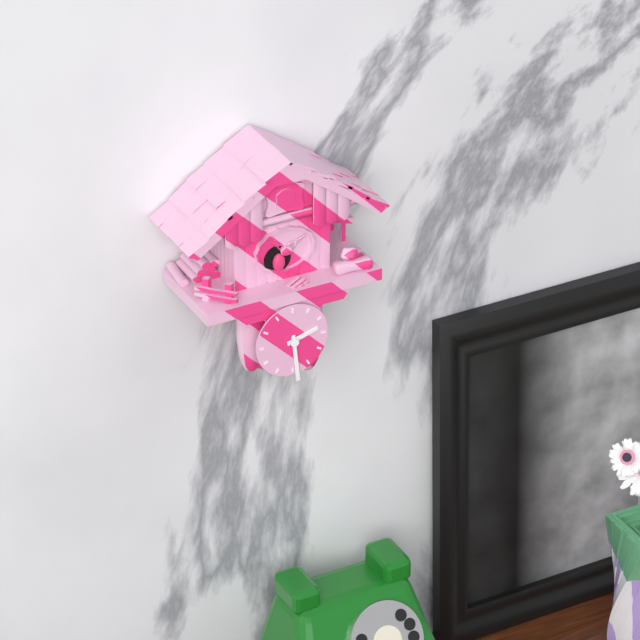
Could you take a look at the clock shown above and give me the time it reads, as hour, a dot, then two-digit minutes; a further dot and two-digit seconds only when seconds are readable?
2.29
